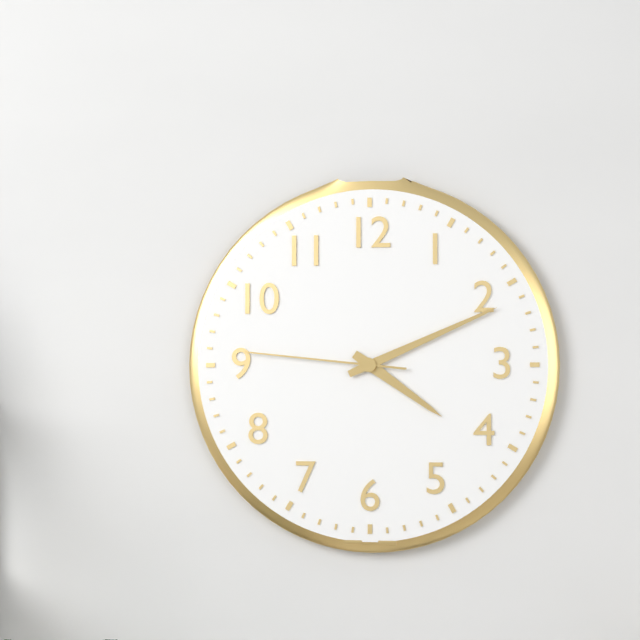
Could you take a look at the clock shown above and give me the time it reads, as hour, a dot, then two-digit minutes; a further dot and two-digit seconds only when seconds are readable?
4.11.46
